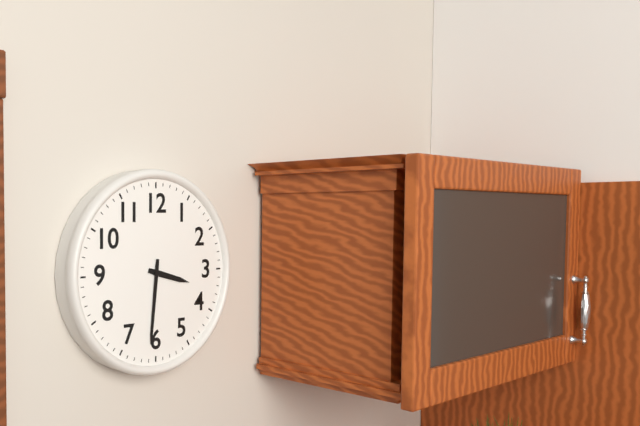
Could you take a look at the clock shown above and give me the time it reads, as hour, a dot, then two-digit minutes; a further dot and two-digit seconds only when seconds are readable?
3.31
